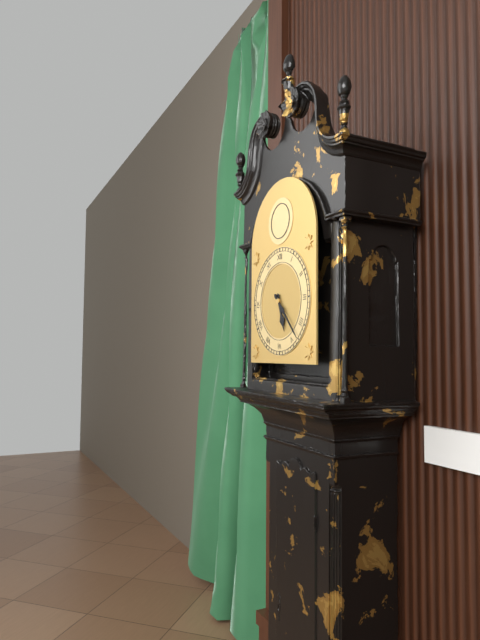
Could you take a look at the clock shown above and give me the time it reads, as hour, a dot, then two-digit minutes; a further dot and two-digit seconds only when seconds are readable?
5.23
